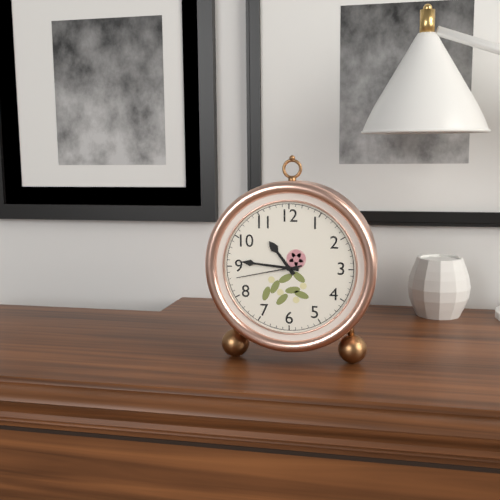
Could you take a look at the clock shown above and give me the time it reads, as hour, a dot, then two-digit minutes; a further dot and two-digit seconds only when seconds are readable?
10.46.43
